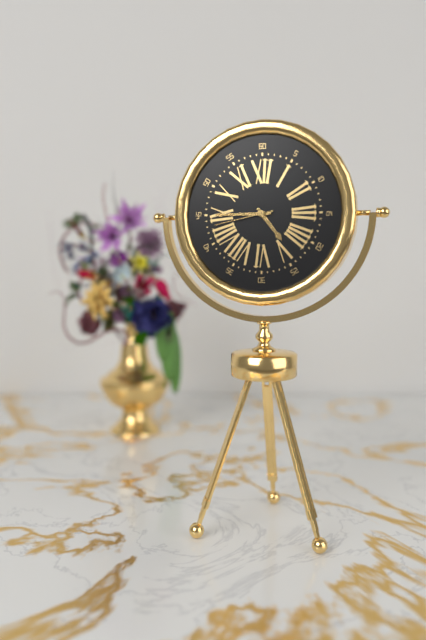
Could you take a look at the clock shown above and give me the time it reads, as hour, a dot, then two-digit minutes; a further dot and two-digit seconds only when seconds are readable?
4.45.43
